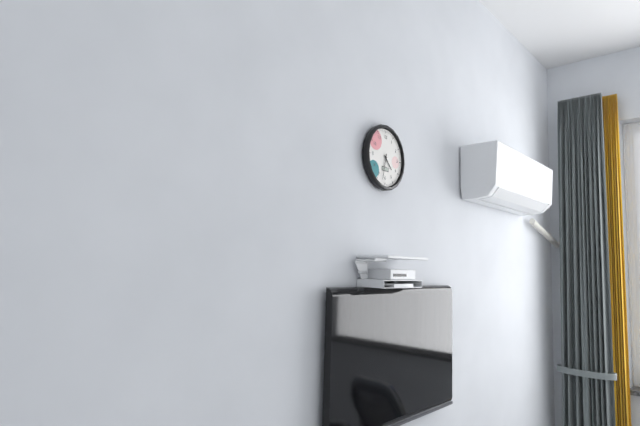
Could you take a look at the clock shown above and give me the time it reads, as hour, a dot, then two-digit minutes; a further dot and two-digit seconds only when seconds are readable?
4.32
